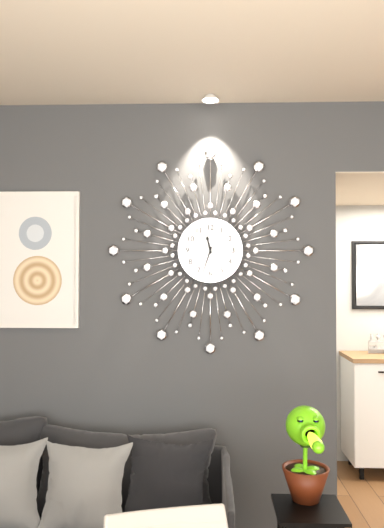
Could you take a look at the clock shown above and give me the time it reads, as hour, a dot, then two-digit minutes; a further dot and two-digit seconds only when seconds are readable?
11.33
